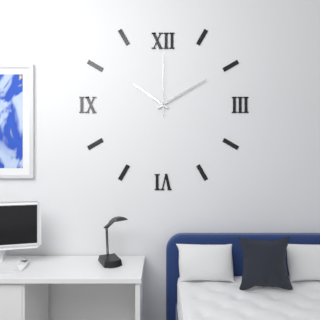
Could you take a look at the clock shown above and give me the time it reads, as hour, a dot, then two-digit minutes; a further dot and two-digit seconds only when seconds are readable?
10.10.00
